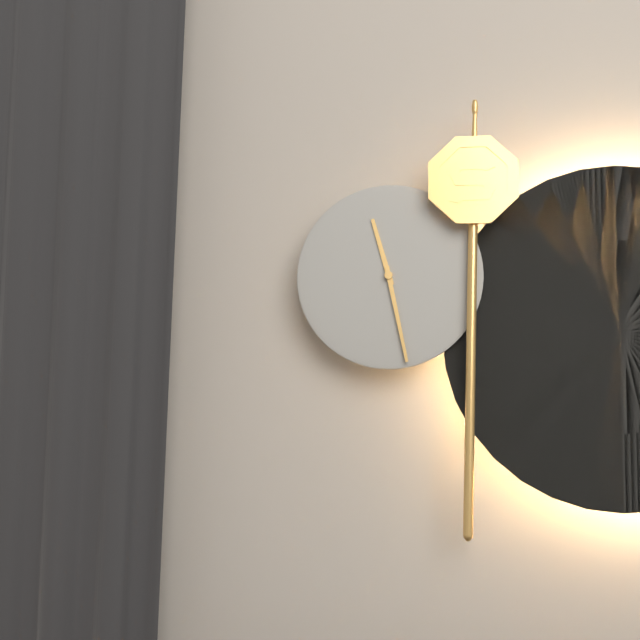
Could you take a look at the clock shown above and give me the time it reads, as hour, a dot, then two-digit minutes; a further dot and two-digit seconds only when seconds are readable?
11.28
